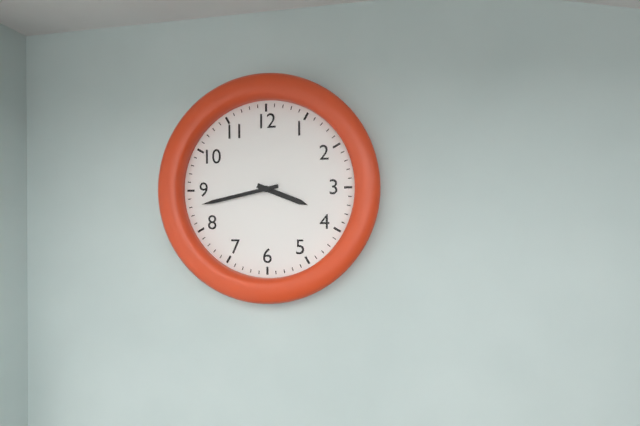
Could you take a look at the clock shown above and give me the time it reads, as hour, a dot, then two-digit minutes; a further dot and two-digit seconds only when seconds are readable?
3.43
